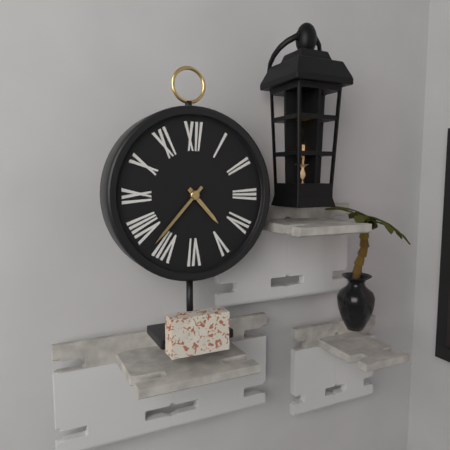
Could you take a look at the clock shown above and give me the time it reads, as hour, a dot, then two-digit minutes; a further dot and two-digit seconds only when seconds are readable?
4.37
